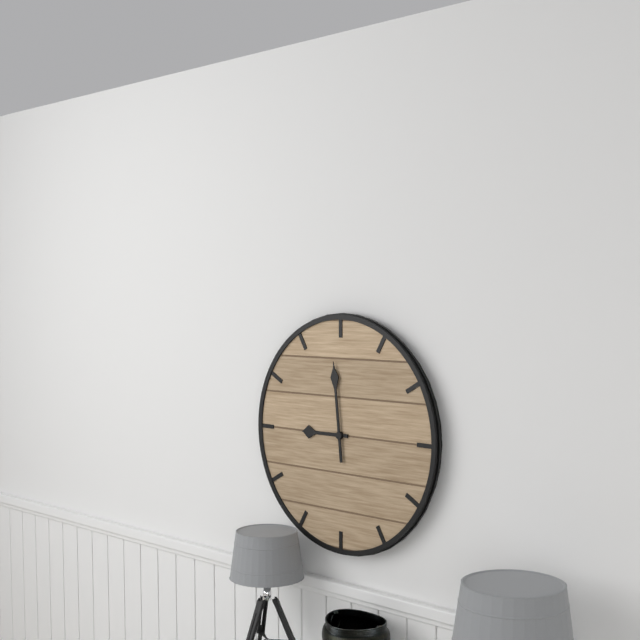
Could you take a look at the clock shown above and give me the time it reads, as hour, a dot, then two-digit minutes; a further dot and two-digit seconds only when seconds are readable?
8.59
